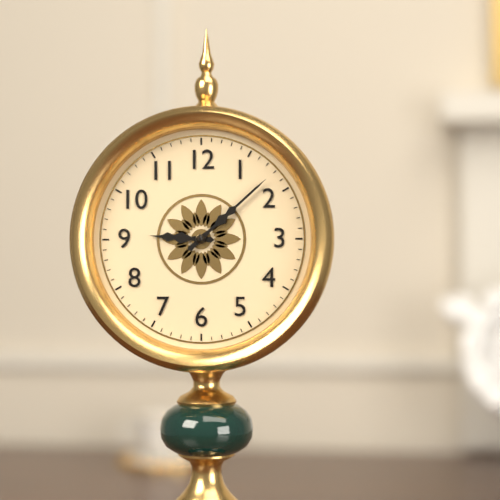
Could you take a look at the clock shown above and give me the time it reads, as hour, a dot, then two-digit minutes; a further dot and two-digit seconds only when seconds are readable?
9.08
